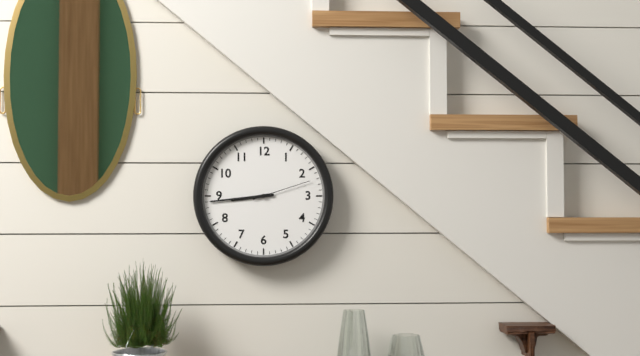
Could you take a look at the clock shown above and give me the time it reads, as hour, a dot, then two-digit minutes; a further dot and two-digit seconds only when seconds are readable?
8.44.12
